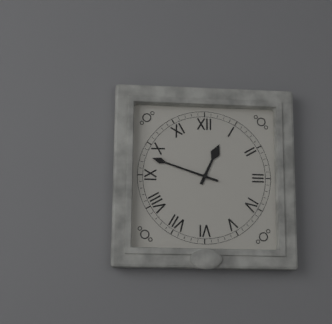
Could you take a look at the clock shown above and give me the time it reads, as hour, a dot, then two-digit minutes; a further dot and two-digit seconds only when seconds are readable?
12.48
